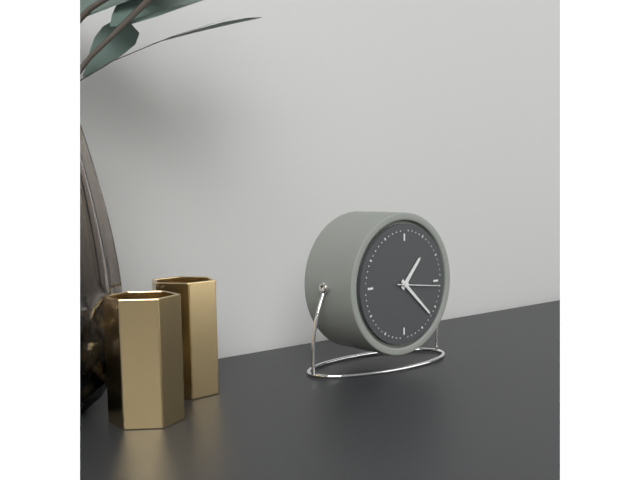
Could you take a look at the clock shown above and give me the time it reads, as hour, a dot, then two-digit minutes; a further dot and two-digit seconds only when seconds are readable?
1.22
